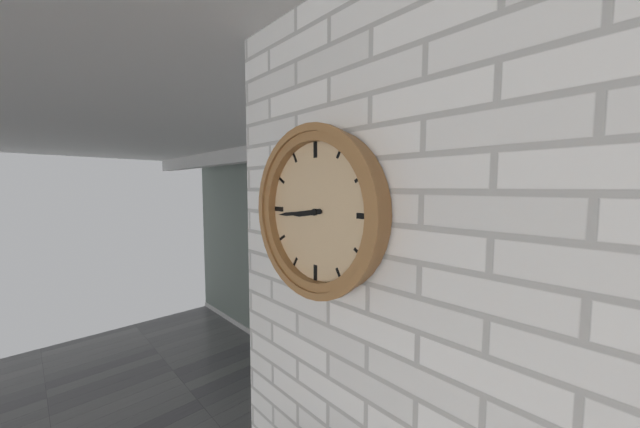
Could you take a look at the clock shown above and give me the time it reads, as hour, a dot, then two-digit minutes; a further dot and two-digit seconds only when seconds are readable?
8.44
